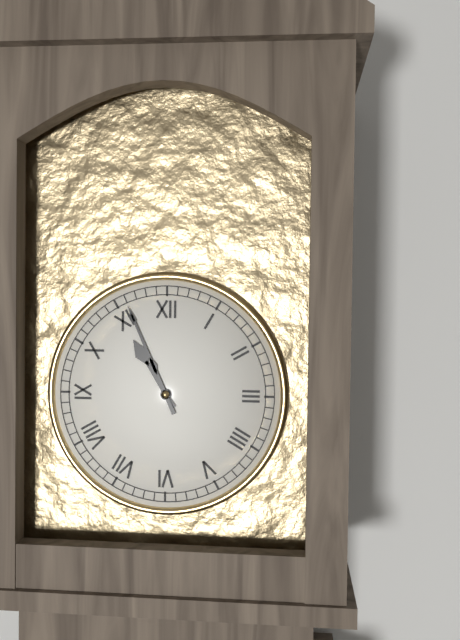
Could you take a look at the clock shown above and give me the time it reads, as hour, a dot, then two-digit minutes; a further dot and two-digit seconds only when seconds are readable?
10.56
